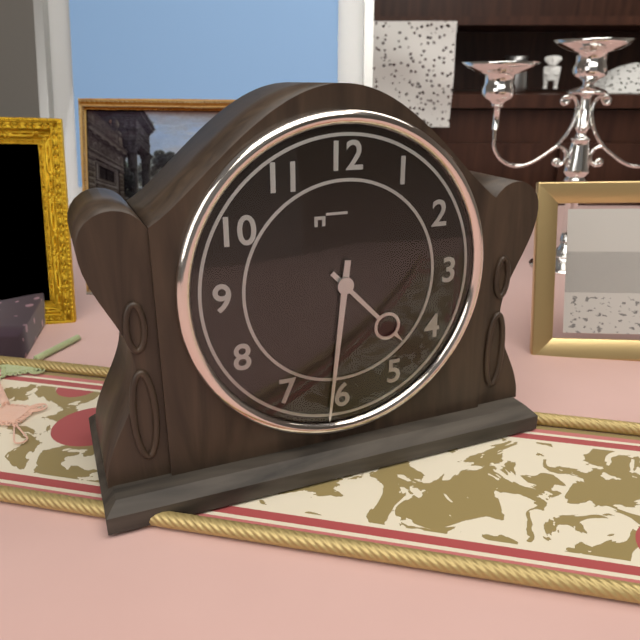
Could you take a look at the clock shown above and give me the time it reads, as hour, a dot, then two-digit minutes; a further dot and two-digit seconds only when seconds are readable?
4.31
